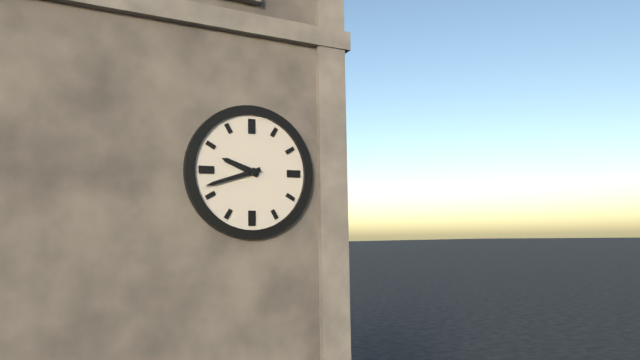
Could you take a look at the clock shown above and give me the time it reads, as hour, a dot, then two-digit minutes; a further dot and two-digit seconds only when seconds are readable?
9.42
